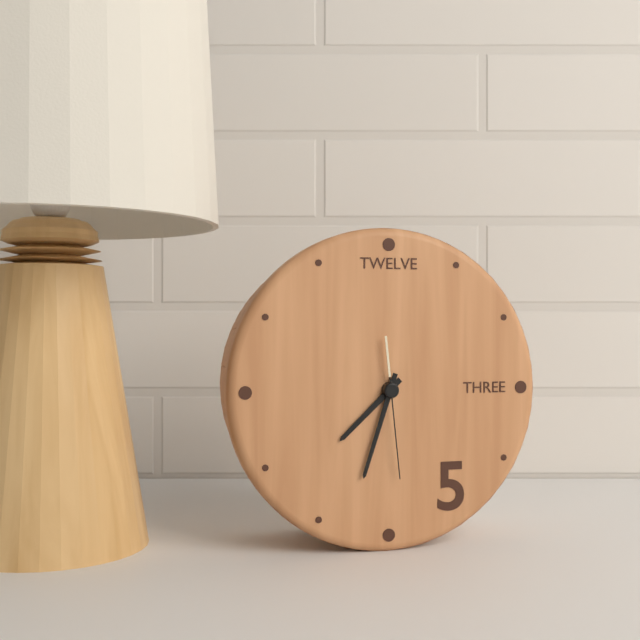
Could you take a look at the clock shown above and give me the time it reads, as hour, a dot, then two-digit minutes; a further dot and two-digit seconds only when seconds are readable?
7.33.29
